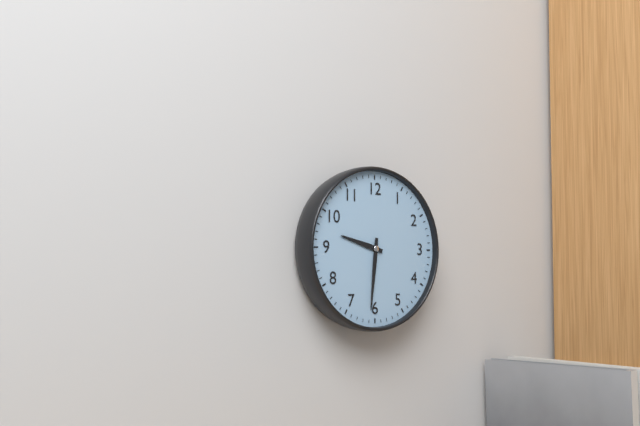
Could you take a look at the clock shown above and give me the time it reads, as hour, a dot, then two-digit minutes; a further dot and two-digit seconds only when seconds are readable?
9.31
